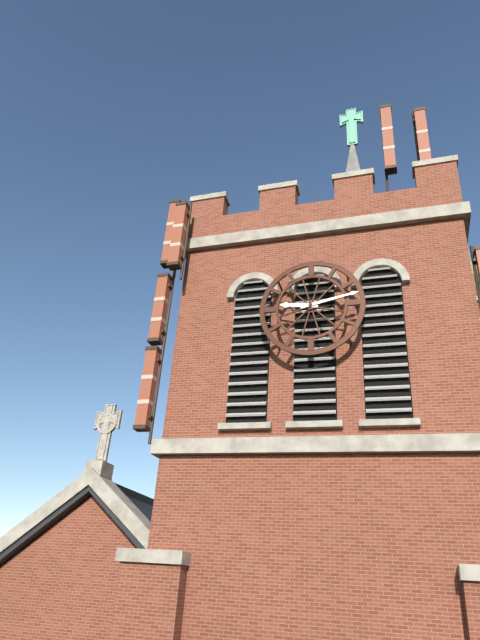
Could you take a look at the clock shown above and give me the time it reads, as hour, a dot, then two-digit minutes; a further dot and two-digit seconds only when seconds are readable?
9.13
